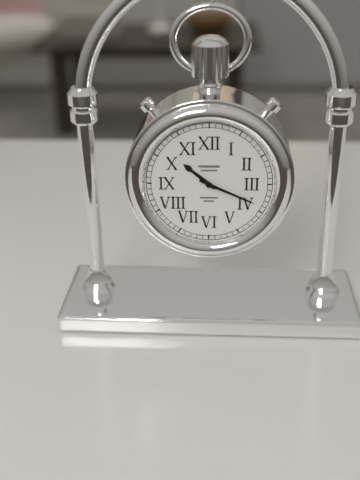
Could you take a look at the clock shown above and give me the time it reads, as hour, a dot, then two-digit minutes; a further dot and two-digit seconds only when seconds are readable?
10.19
